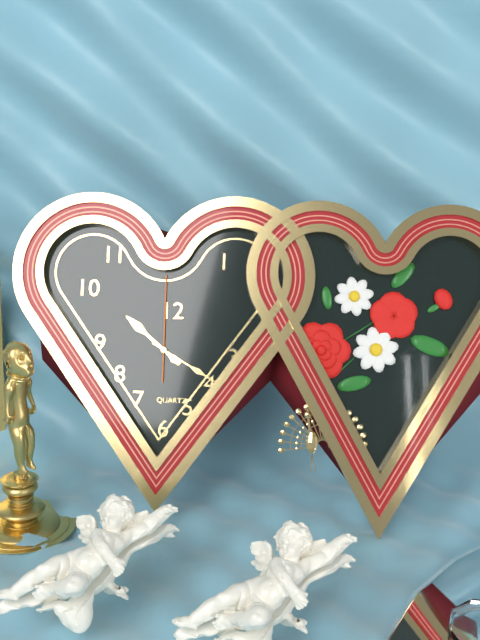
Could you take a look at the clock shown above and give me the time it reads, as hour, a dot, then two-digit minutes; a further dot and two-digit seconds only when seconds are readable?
10.20.00
